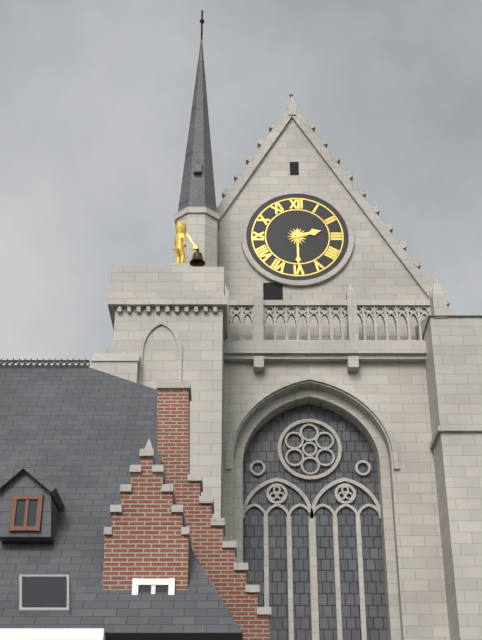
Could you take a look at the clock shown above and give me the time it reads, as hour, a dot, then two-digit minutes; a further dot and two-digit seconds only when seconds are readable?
2.30
